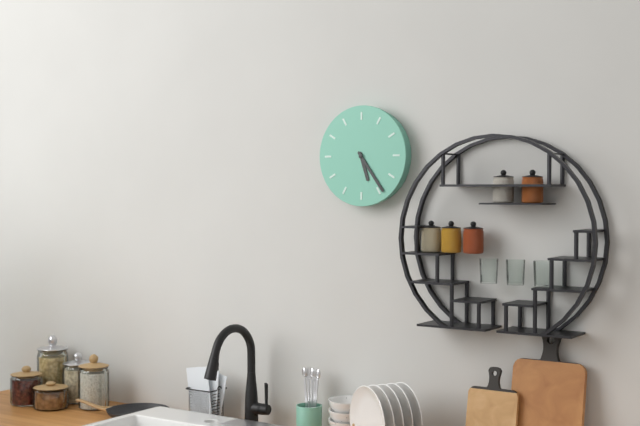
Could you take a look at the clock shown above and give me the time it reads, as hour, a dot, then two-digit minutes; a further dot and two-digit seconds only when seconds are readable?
5.24
